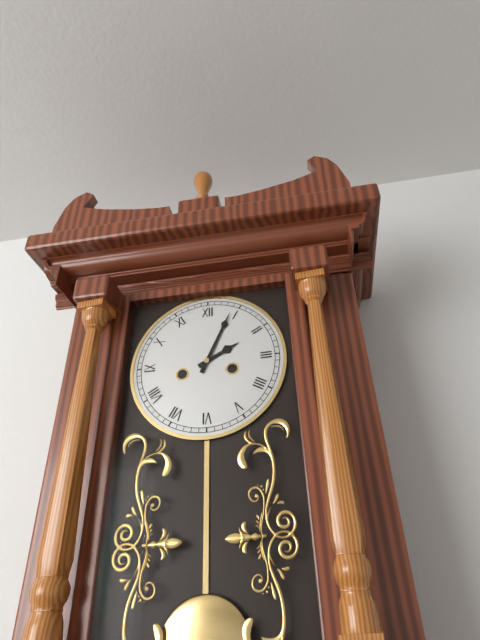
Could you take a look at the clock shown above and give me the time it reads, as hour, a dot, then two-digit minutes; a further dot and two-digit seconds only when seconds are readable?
2.04
